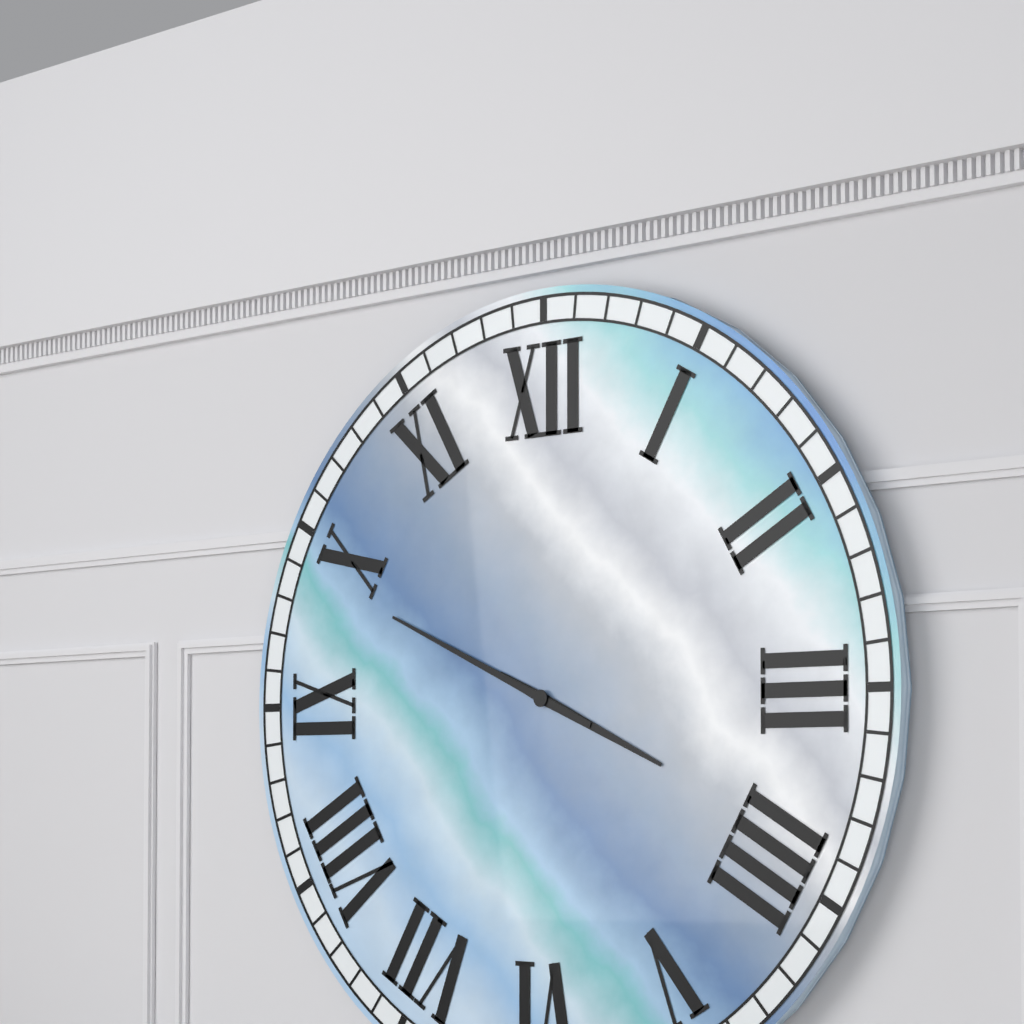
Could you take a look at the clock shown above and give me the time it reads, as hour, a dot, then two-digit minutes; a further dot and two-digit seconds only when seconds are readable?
3.49
